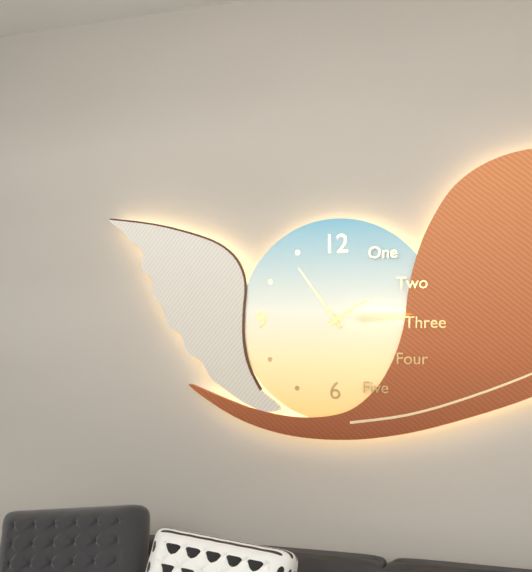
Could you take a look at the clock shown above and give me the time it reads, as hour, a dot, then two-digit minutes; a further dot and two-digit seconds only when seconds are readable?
1.54
